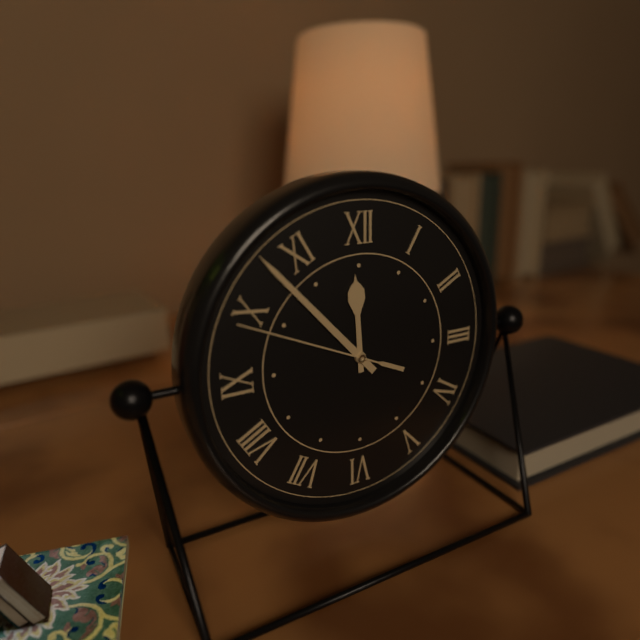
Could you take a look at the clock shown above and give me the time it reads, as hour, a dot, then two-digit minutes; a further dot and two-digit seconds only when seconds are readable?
11.53.49
